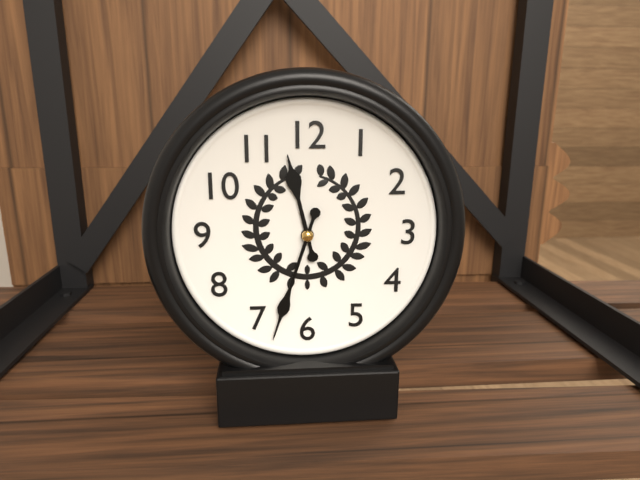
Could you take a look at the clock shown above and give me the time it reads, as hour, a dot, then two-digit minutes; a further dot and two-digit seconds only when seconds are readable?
11.33
